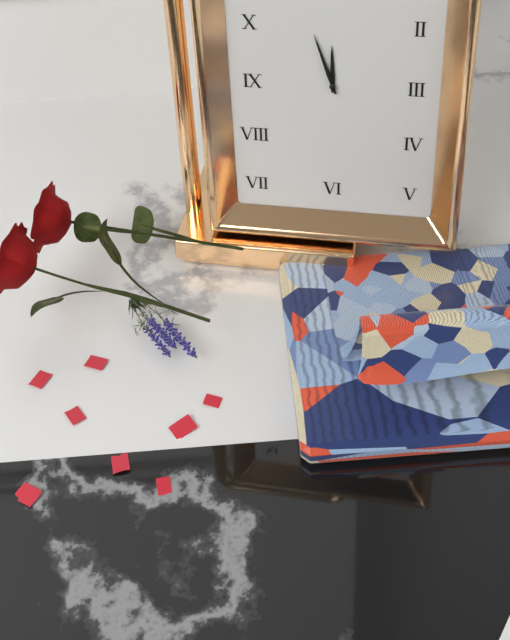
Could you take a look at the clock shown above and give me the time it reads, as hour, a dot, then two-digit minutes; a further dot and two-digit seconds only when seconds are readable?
11.57
